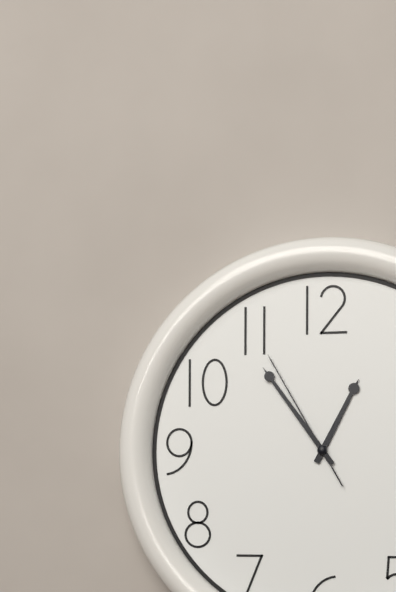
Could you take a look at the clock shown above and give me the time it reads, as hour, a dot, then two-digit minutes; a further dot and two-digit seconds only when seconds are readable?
12.54.55
